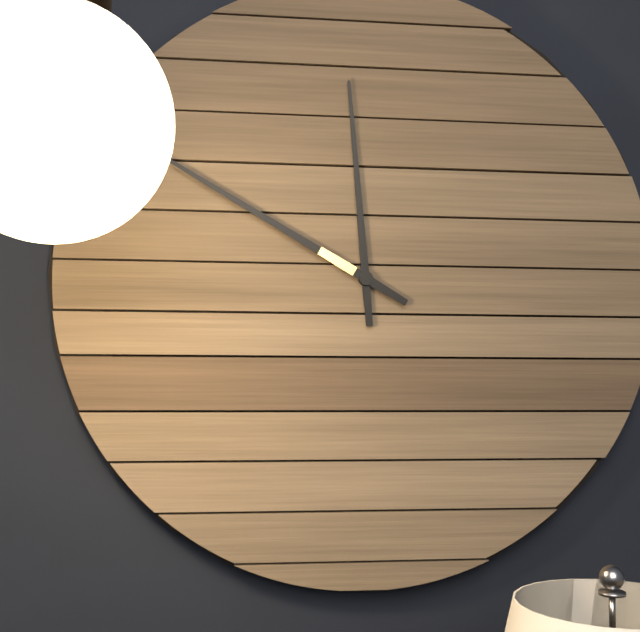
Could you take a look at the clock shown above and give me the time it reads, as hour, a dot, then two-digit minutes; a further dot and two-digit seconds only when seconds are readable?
11.50
